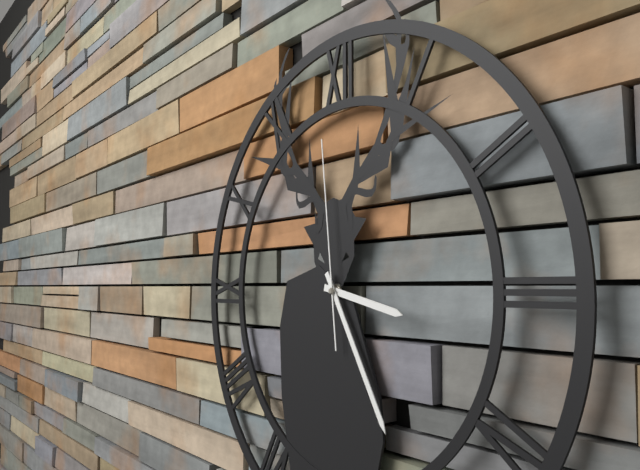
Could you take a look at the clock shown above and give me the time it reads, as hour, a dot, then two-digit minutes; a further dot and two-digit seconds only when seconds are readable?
3.25.59
